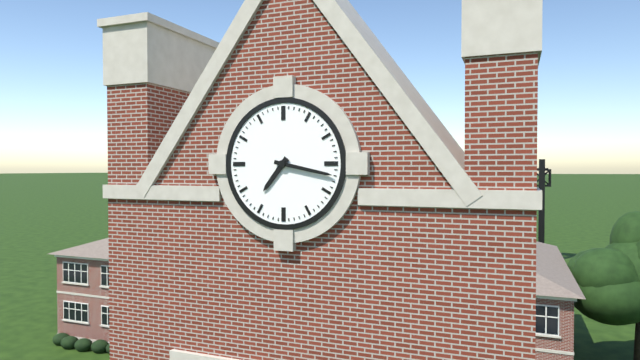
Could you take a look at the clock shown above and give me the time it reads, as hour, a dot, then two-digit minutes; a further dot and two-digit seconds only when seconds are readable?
7.17
